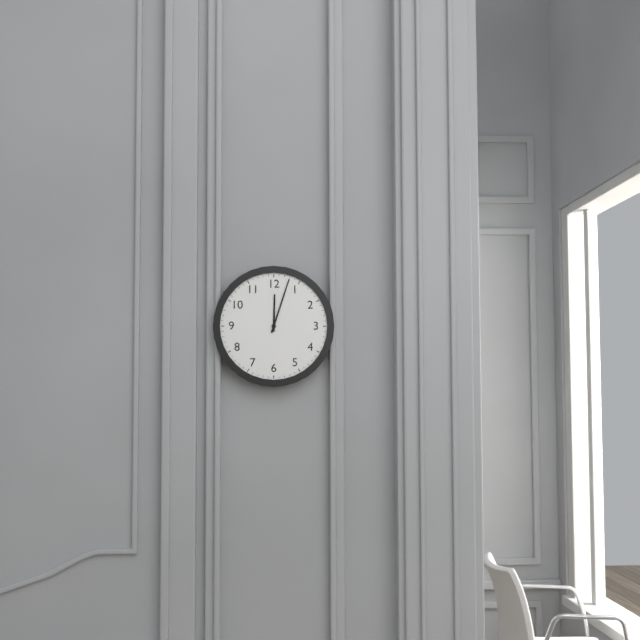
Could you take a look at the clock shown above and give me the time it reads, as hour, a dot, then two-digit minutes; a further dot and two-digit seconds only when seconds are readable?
12.03
